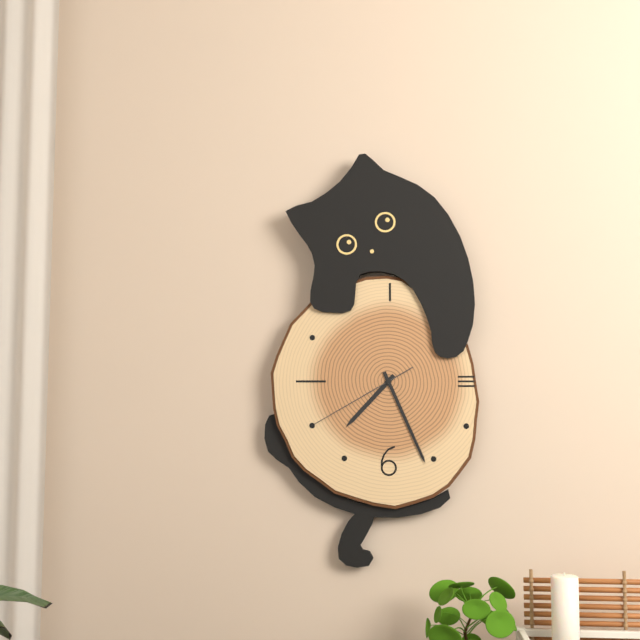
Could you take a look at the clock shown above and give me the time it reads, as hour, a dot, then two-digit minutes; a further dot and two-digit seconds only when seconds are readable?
7.26.40
